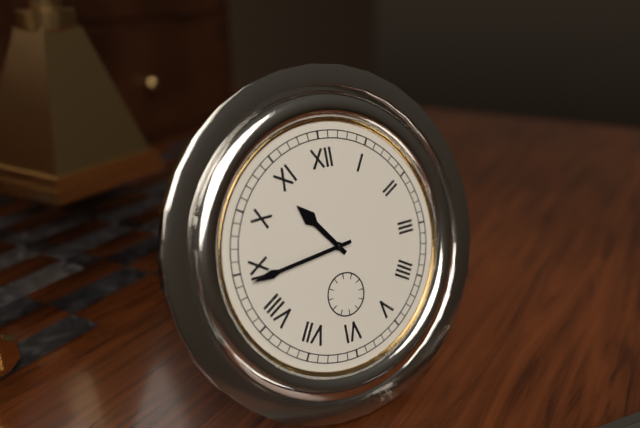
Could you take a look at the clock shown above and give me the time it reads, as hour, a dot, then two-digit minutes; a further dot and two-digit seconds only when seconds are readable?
10.44
